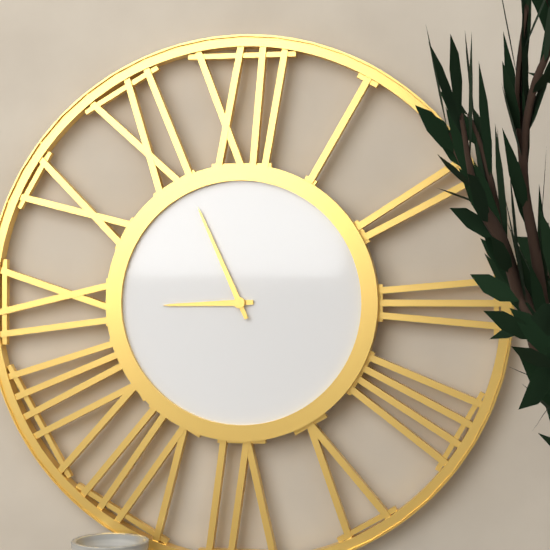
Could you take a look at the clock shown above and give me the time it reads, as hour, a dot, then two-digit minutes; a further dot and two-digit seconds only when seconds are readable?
8.56
